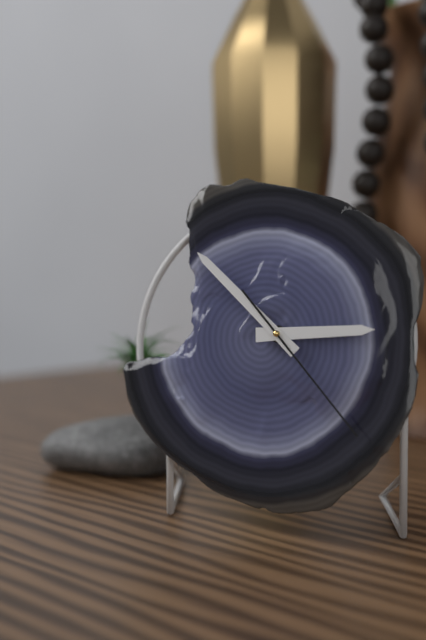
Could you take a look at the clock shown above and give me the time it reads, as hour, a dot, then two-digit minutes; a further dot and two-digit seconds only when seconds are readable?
2.52.23
